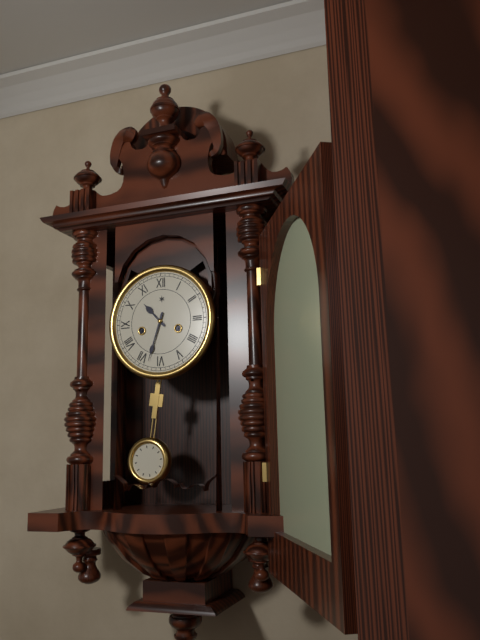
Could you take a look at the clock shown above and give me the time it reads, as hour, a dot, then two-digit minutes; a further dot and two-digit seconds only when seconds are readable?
10.33
